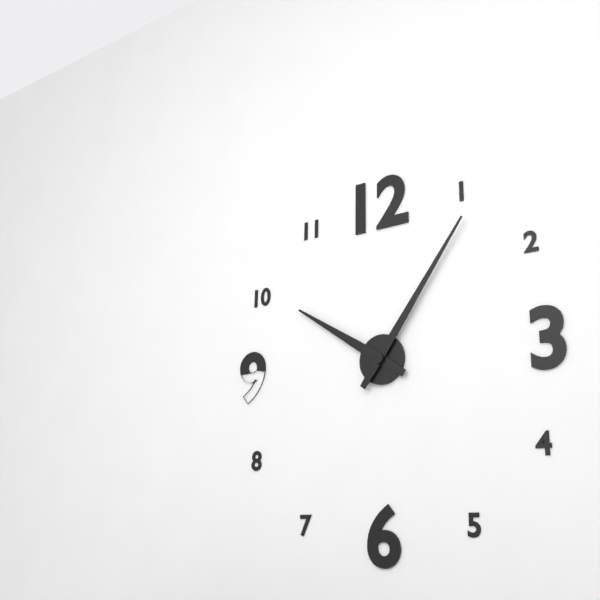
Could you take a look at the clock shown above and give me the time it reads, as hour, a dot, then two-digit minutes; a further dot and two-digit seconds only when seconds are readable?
10.06
